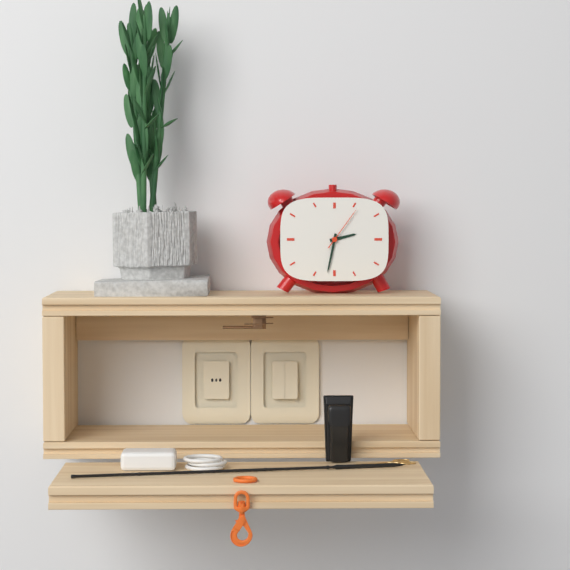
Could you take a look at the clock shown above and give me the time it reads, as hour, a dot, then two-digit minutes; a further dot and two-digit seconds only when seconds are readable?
2.32
